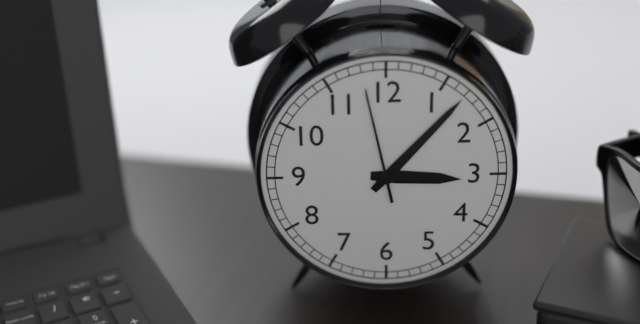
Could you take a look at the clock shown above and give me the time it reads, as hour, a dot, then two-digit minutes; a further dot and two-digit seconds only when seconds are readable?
3.07.58
